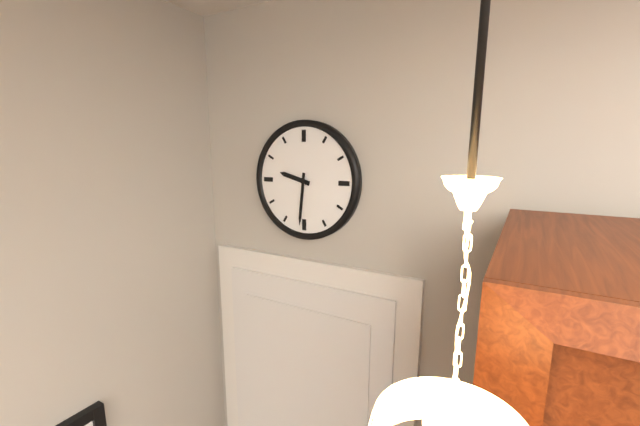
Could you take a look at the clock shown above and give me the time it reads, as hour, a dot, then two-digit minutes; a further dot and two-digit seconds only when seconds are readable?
9.31
